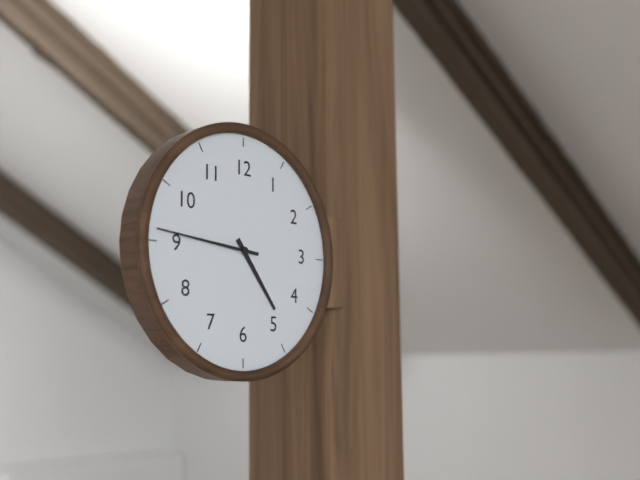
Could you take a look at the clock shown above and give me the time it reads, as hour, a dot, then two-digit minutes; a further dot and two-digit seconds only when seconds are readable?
4.46
